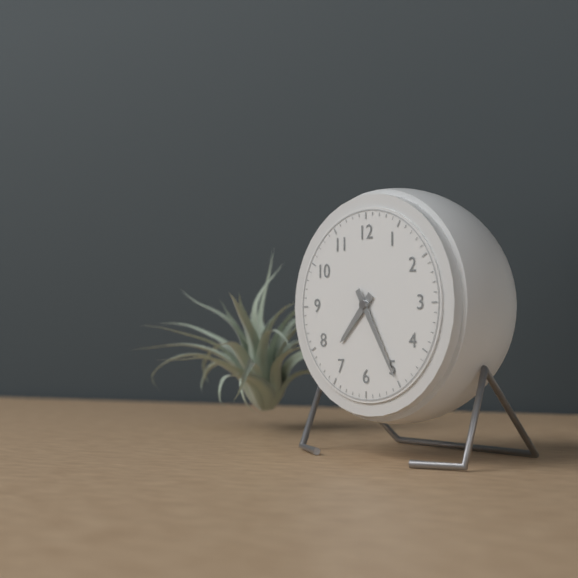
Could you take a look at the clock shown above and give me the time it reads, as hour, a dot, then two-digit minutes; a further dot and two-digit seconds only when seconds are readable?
7.25
